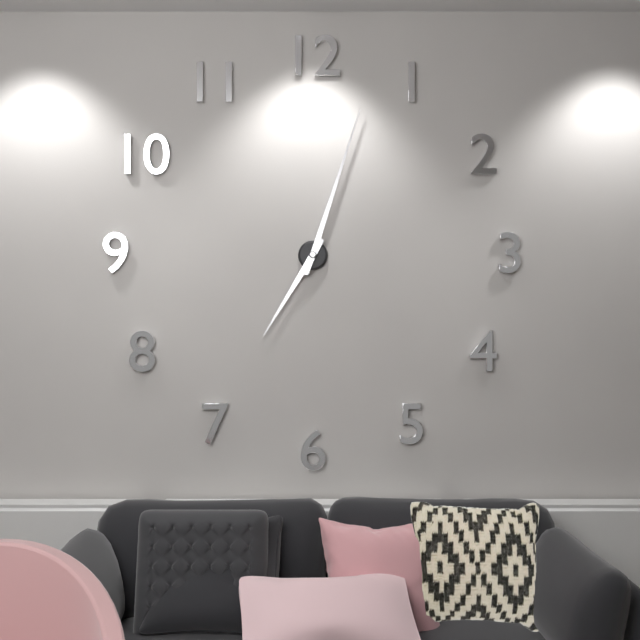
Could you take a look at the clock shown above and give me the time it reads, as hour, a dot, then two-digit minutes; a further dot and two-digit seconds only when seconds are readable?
7.03
